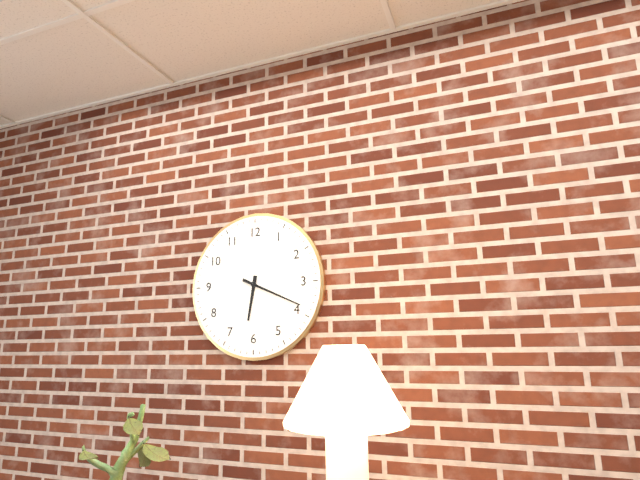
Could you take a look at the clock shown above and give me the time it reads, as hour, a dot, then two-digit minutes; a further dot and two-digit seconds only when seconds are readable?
6.19
